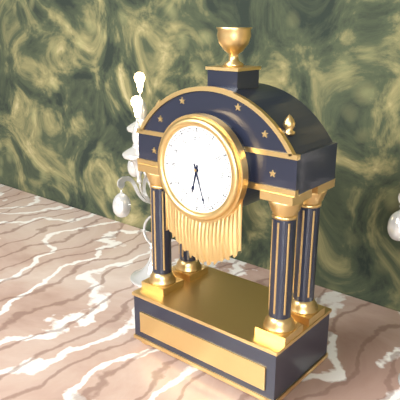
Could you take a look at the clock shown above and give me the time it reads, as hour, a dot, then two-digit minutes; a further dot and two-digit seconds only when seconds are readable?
6.27
